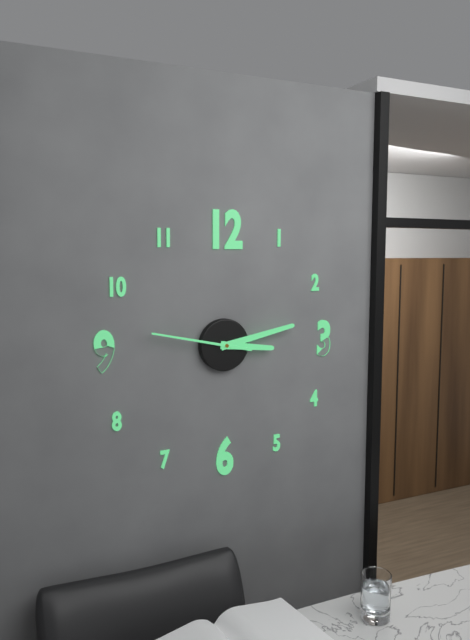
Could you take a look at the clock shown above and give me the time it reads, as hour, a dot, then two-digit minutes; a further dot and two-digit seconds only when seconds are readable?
3.13.47
